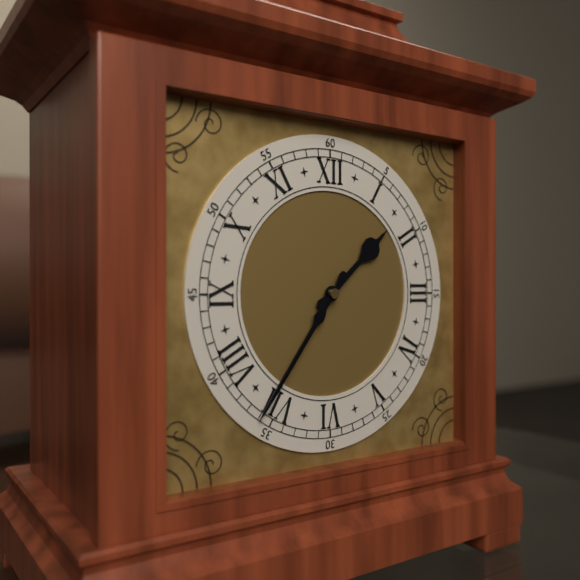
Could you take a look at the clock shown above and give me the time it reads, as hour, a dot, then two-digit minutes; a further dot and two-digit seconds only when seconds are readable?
1.36
